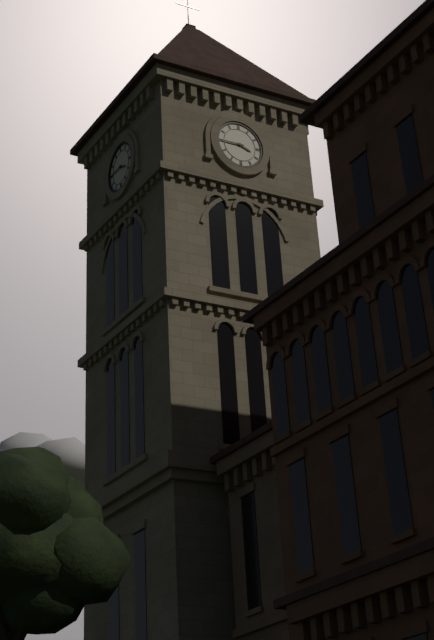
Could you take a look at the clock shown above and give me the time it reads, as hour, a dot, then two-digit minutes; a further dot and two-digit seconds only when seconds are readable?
3.45
